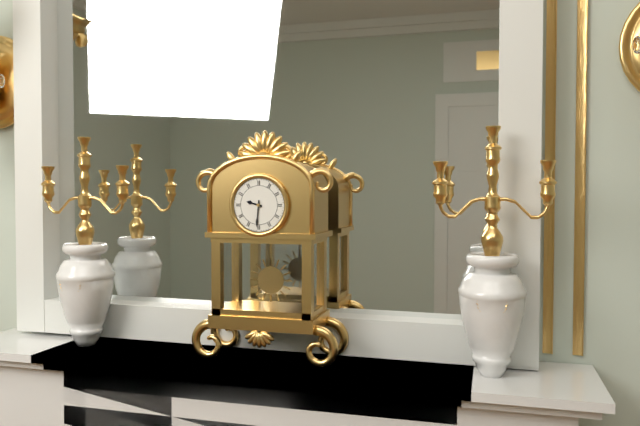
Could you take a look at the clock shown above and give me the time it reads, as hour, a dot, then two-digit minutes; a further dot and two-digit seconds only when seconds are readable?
9.31
